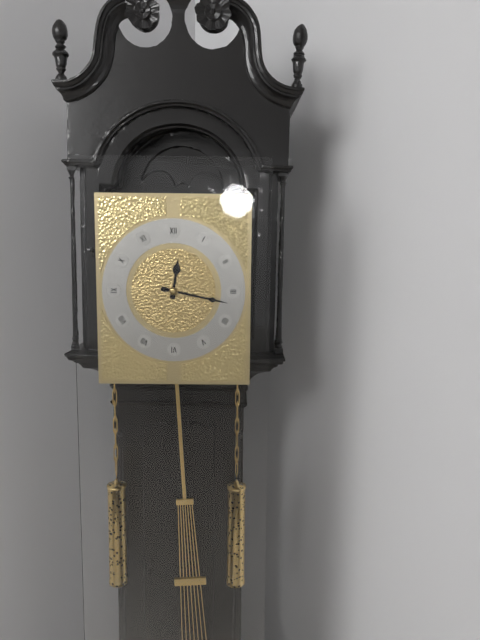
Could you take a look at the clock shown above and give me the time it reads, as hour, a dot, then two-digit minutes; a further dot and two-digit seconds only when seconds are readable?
12.17
